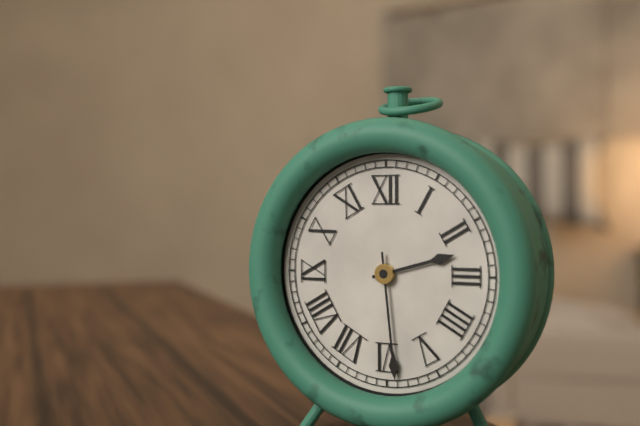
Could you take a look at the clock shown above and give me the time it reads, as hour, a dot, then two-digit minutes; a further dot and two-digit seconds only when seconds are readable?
2.29
